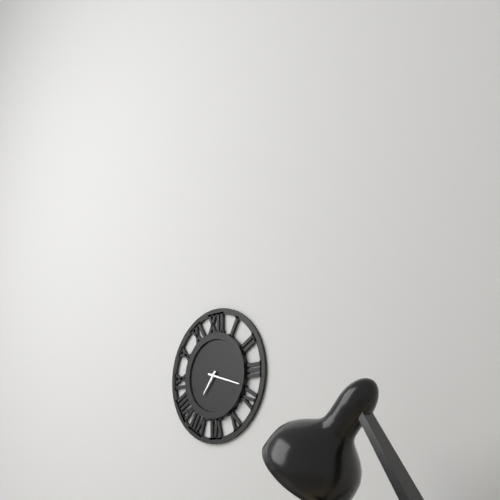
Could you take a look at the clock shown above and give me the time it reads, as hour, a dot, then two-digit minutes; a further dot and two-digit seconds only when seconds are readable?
7.18
